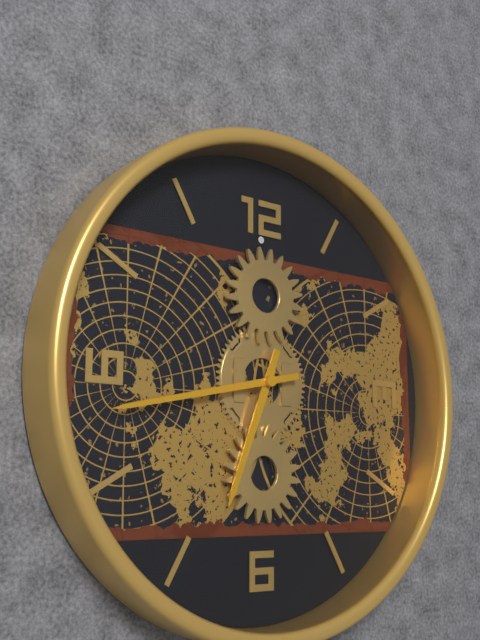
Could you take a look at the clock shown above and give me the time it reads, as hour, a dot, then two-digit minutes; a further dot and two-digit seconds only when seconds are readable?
6.43
